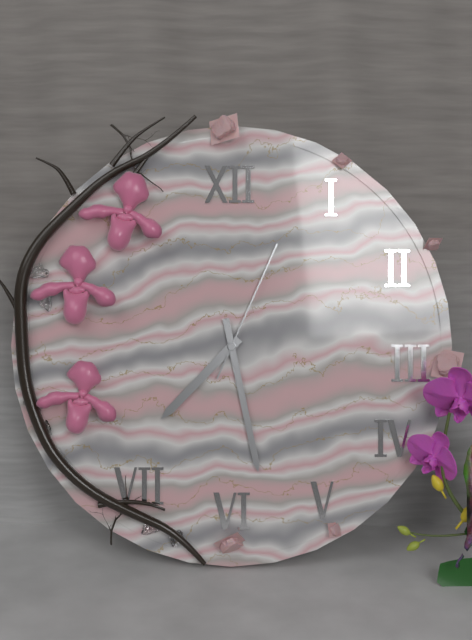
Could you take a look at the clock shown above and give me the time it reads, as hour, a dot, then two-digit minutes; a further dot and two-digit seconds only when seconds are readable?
7.28.04
